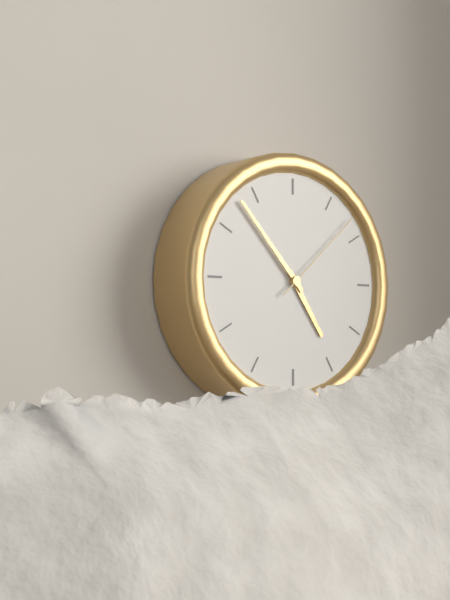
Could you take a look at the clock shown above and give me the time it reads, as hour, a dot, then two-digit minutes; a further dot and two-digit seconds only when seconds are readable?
4.53.08
